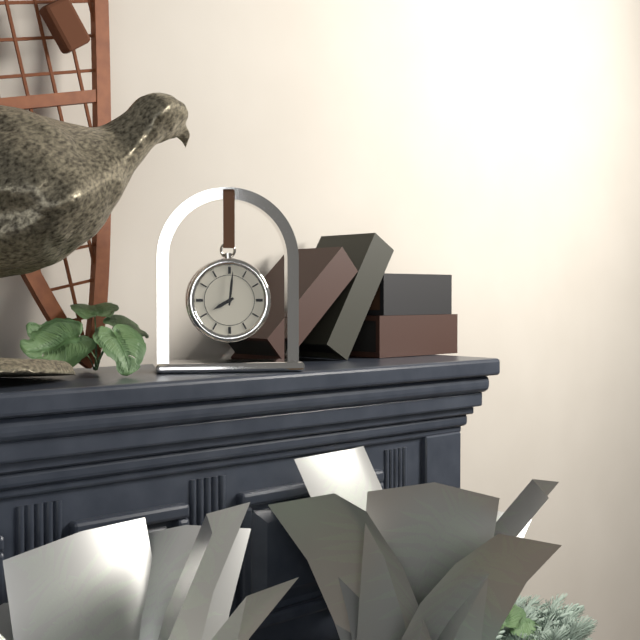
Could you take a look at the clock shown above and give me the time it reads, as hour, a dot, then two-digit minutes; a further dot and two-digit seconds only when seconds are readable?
8.01
